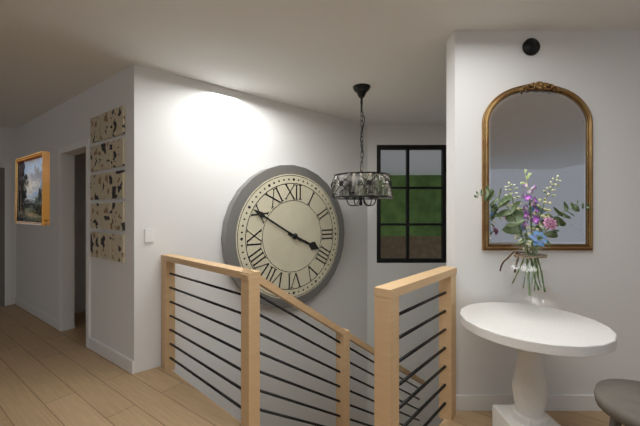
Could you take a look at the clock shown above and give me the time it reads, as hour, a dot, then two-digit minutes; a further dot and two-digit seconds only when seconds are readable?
3.50
